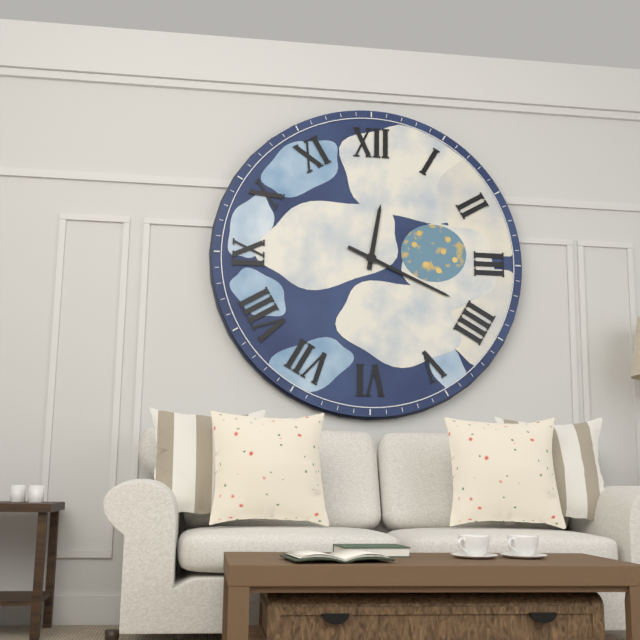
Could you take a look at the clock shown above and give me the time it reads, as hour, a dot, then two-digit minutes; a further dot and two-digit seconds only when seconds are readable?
12.19
